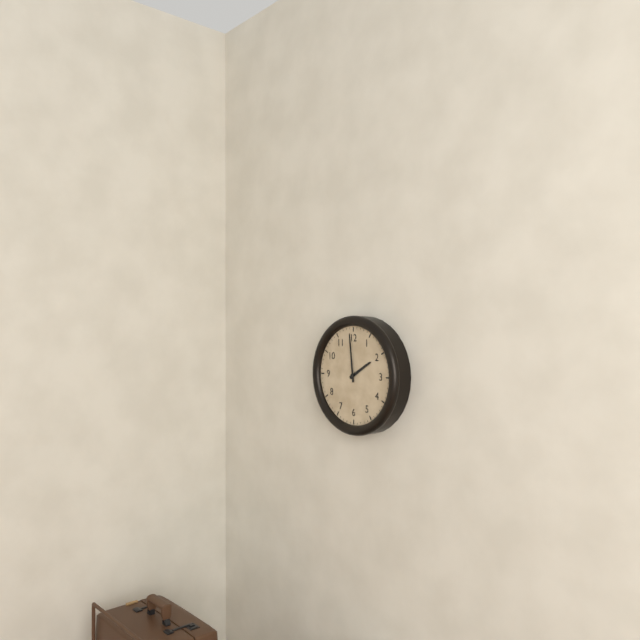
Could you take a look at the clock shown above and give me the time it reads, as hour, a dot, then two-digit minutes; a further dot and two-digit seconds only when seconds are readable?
1.59
